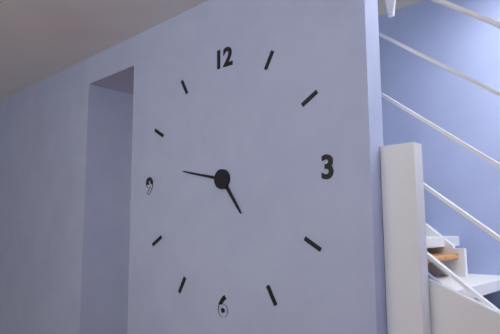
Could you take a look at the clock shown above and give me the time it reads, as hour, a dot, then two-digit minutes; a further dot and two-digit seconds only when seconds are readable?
4.47
